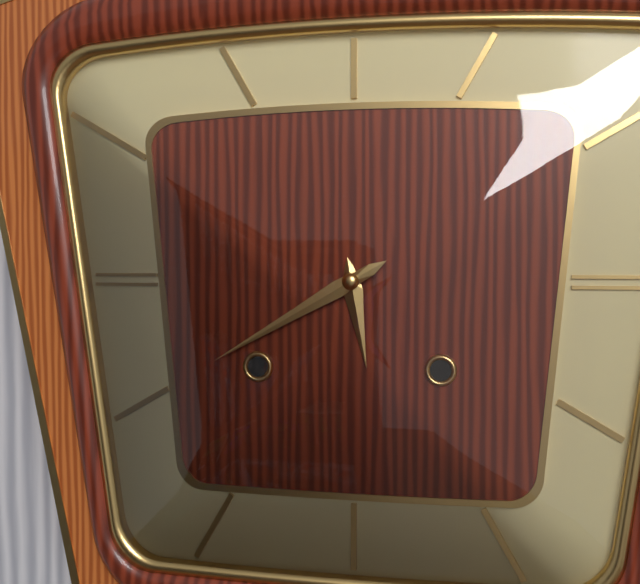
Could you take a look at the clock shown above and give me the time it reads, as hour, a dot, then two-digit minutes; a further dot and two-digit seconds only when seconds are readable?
5.40
